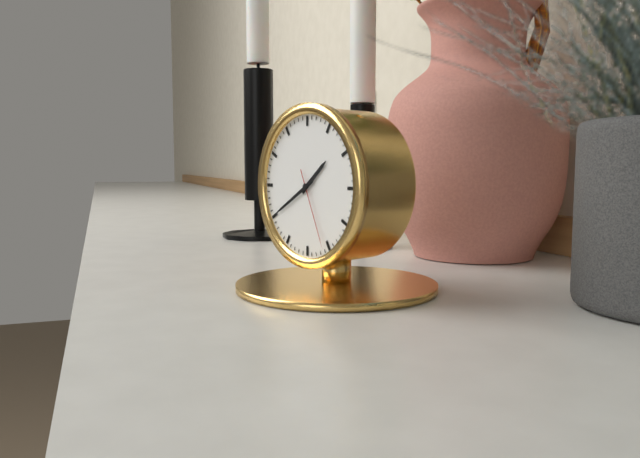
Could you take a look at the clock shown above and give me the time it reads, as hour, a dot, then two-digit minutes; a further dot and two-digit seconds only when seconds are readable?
1.40.26
